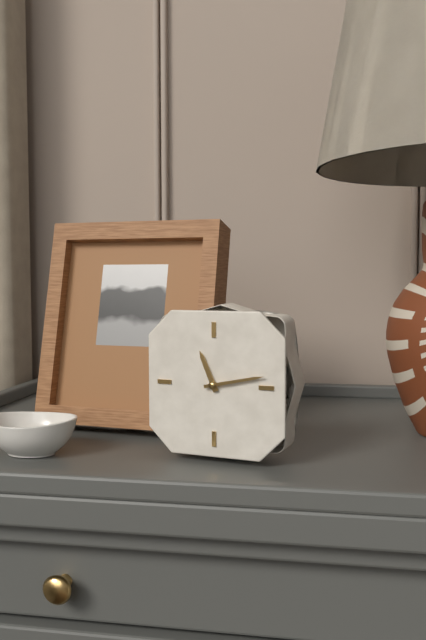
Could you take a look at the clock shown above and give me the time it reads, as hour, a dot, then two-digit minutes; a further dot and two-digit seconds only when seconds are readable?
11.13
